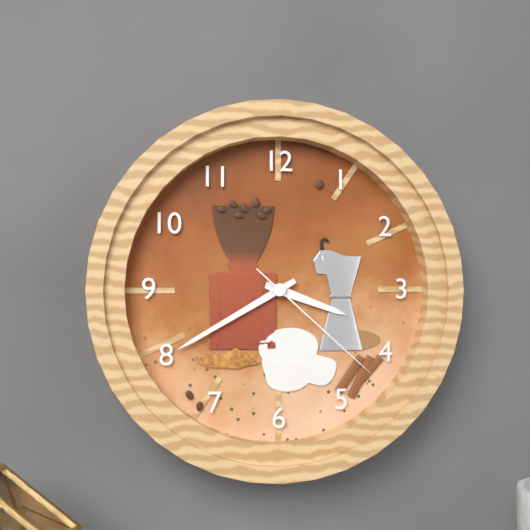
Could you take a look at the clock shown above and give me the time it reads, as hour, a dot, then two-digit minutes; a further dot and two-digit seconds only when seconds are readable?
3.40.22
